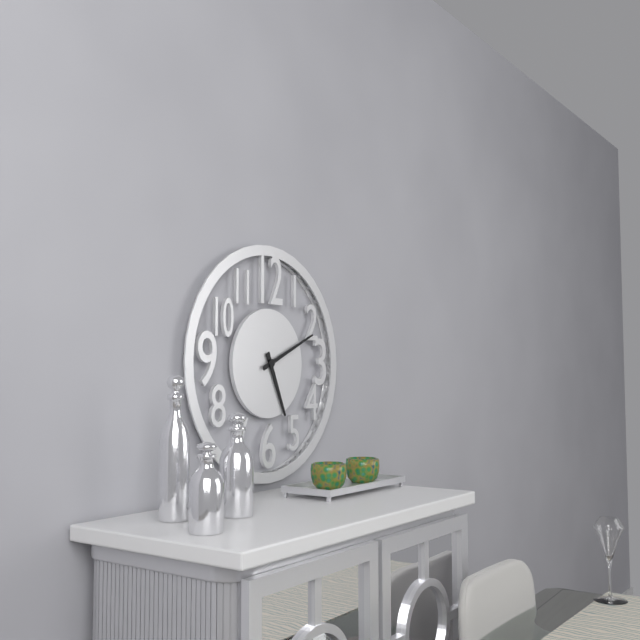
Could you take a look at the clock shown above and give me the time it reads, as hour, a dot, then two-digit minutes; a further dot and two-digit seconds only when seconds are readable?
5.11
